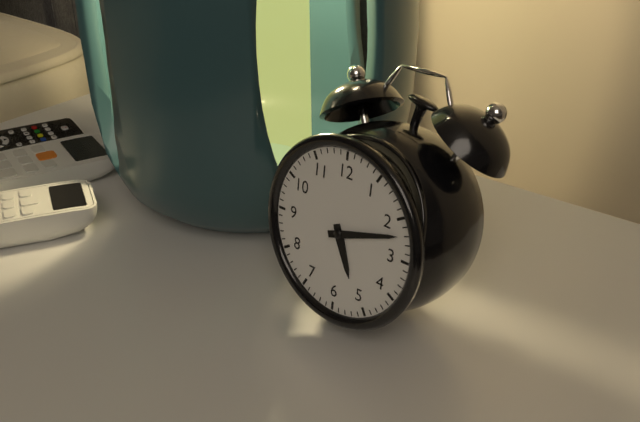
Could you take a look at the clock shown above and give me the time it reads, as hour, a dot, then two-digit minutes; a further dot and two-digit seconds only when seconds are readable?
5.12
